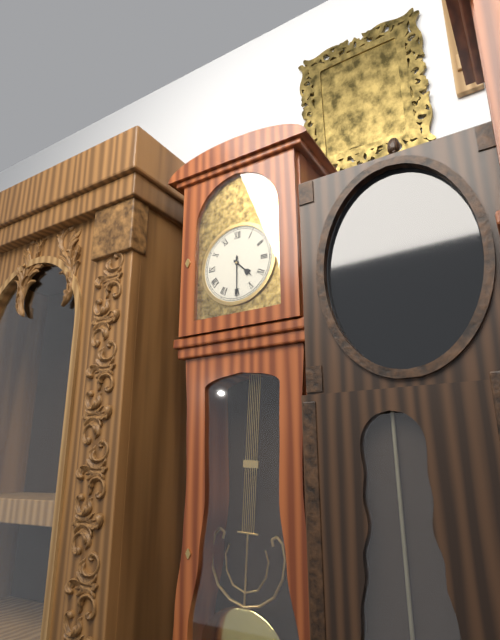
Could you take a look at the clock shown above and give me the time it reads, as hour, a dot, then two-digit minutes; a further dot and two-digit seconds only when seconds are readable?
4.30
